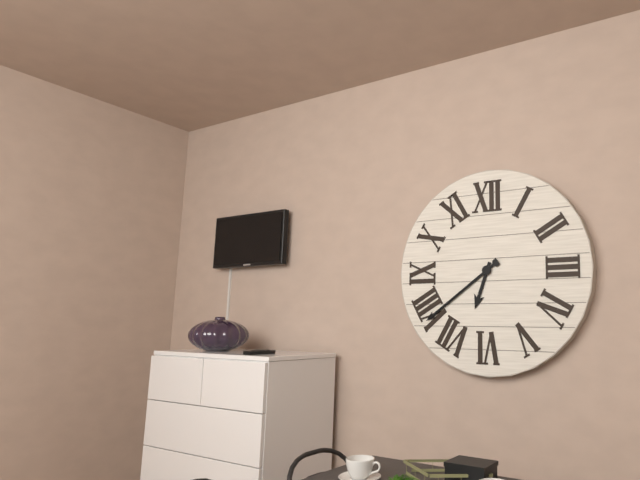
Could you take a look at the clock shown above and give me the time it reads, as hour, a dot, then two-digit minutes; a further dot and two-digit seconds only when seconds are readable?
6.39
